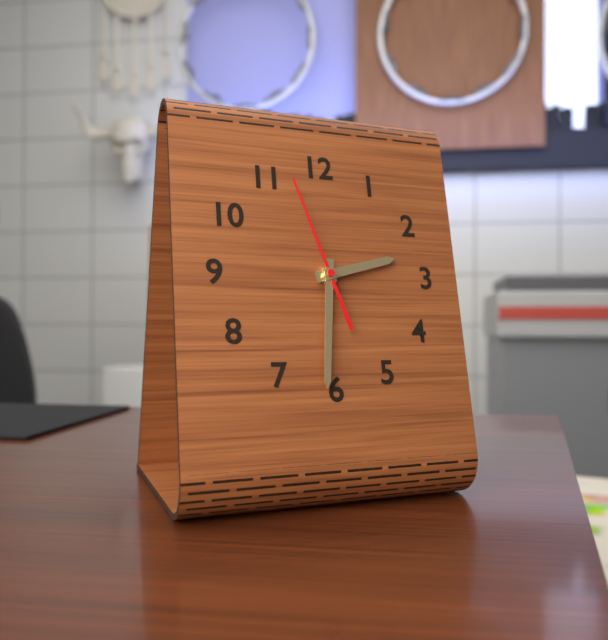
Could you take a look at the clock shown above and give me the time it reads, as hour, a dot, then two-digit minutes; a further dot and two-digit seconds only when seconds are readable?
2.31.57
